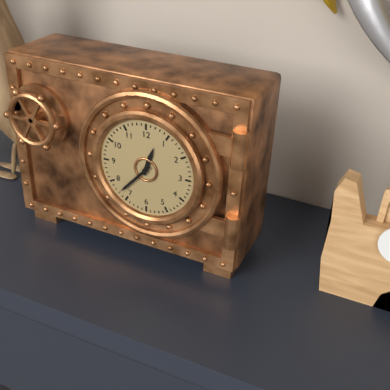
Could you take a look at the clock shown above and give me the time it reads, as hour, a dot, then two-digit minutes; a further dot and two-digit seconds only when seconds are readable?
12.37
